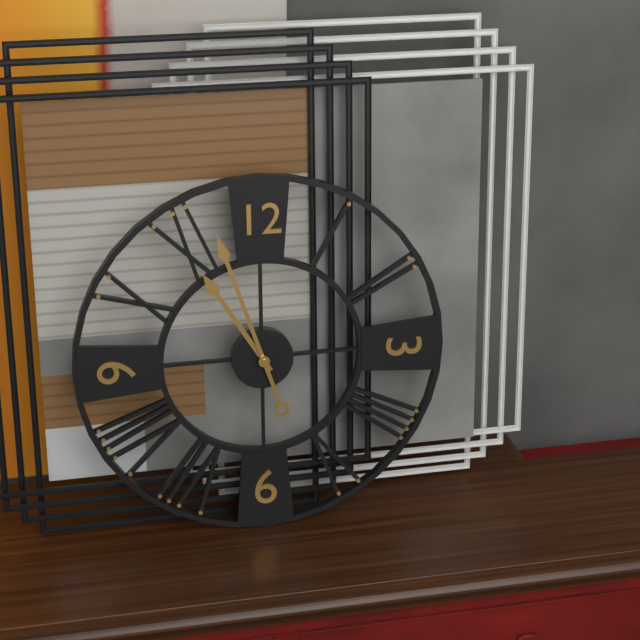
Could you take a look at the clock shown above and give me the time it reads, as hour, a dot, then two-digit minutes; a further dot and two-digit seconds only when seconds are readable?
10.57
